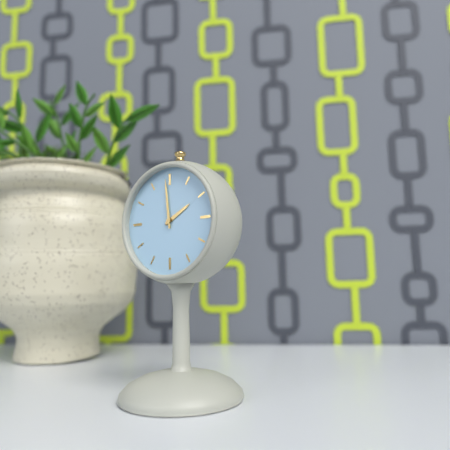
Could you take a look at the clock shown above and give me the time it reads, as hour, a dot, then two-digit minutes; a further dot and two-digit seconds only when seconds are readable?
1.59
